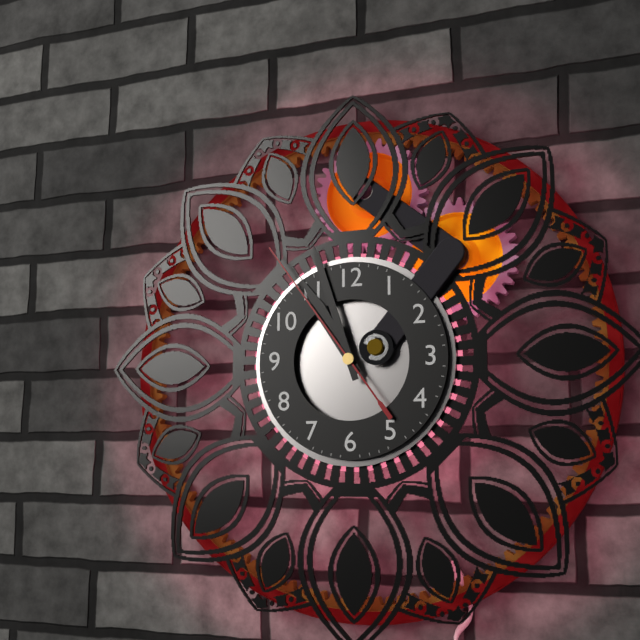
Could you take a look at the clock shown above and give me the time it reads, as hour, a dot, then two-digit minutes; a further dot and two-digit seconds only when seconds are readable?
10.57.54
